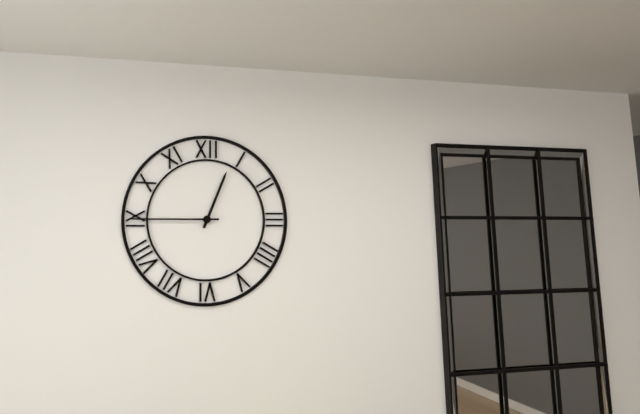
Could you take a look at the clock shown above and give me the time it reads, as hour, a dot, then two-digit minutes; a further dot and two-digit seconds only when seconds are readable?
12.45
